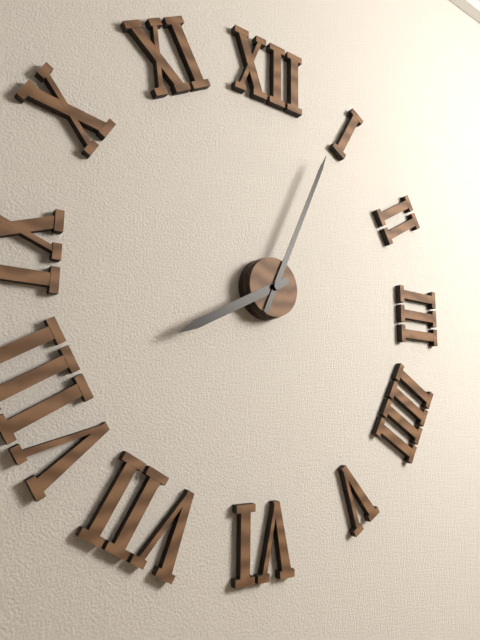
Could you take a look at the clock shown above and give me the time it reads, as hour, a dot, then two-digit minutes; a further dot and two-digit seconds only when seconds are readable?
8.04
